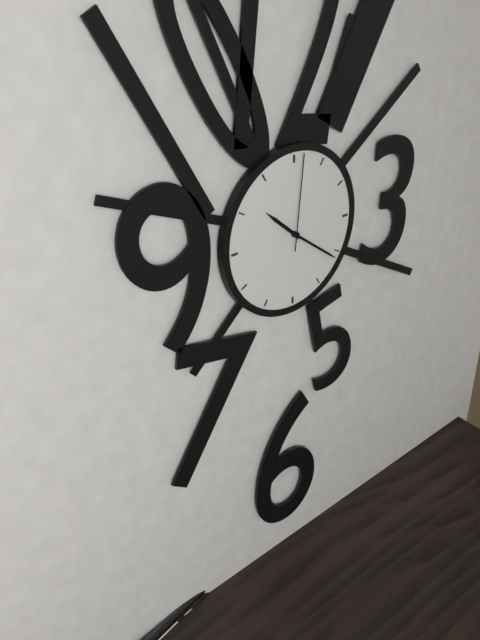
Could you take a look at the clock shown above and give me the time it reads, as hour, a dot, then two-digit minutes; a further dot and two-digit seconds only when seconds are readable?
10.21.01
